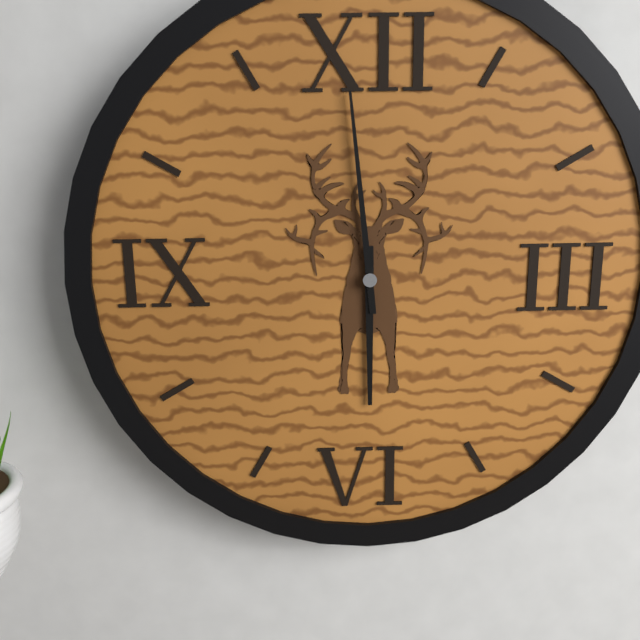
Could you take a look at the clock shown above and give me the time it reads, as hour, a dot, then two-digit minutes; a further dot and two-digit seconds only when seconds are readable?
5.59
